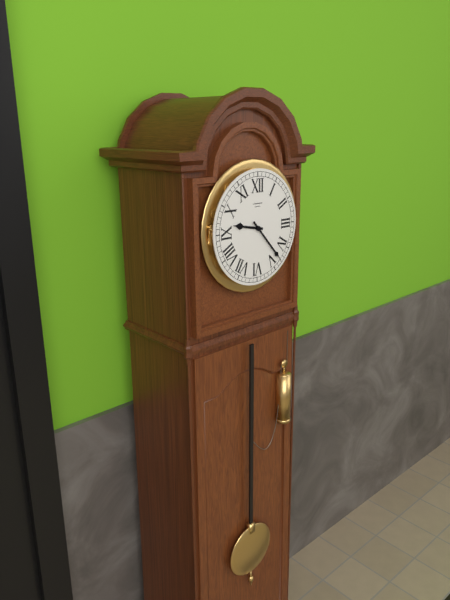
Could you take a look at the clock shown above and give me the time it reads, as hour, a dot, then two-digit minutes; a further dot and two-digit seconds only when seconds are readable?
9.23
